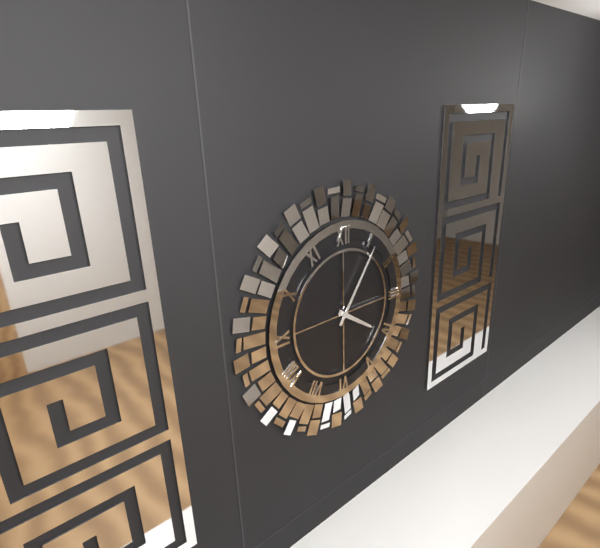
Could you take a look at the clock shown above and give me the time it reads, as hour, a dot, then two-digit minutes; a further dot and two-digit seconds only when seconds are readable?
4.06
